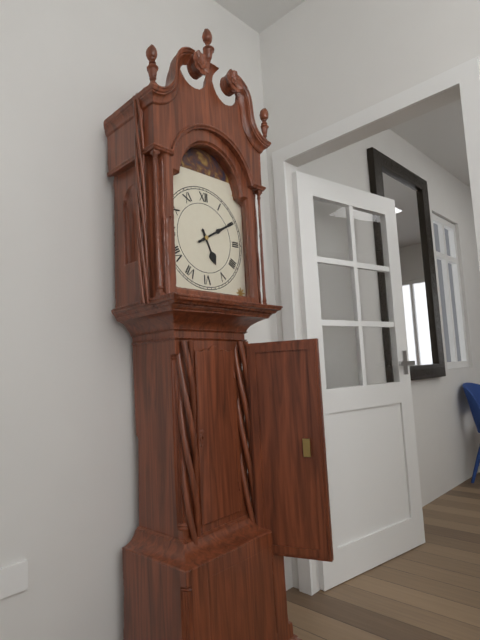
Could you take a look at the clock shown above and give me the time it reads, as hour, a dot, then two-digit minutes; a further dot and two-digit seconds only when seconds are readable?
5.10
